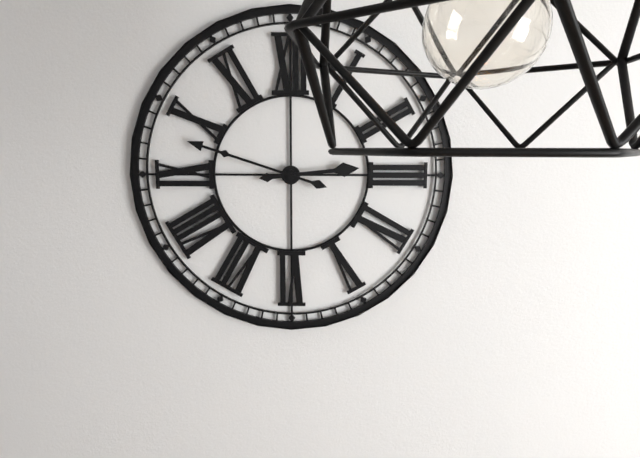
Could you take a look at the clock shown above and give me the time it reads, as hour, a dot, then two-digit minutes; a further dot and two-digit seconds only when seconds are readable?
2.48
